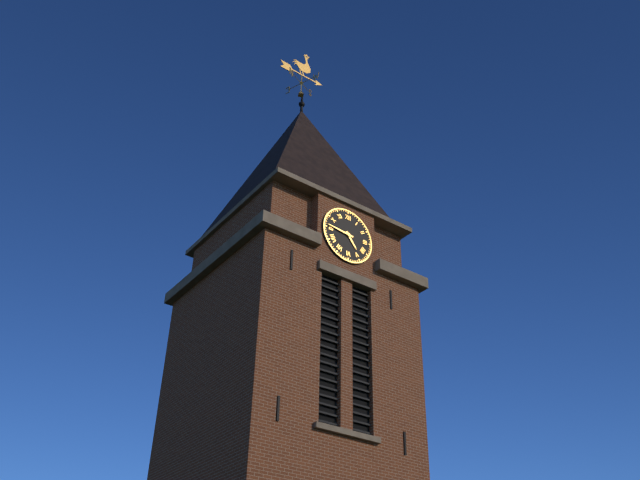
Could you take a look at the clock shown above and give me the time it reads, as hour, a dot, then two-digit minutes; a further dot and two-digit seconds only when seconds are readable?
4.46
